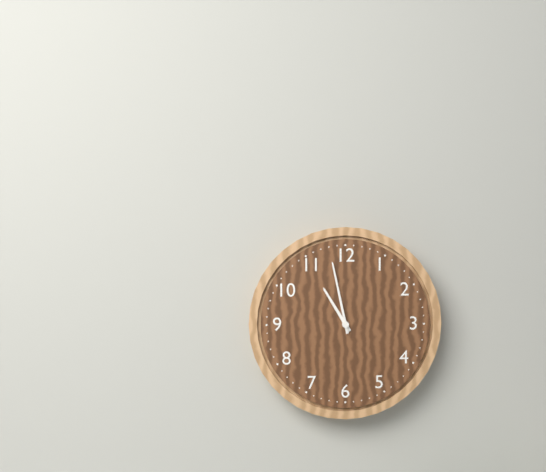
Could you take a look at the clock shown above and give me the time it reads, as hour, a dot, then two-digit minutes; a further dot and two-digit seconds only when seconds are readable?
10.58
